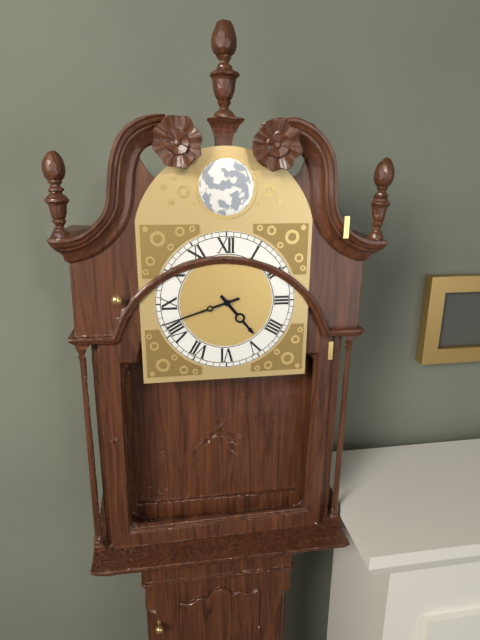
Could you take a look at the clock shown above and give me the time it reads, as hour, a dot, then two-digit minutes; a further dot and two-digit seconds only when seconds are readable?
4.42
